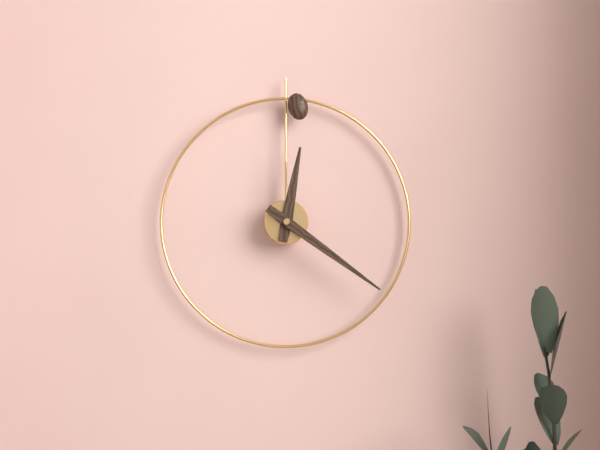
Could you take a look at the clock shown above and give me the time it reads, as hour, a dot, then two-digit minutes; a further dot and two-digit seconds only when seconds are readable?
12.21
